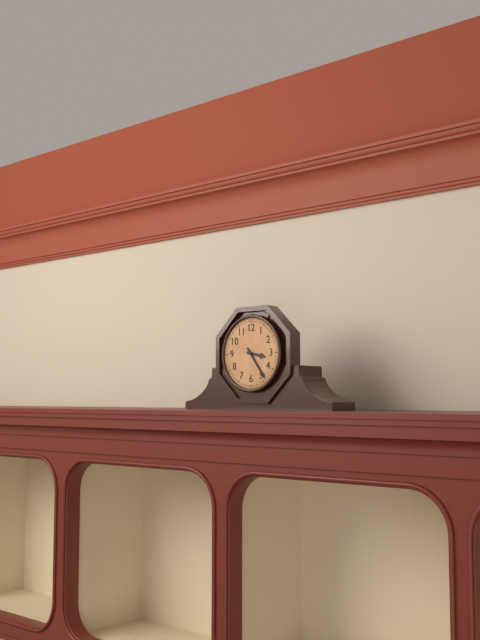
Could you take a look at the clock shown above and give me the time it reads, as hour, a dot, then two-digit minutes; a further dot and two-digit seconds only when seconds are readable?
3.24
